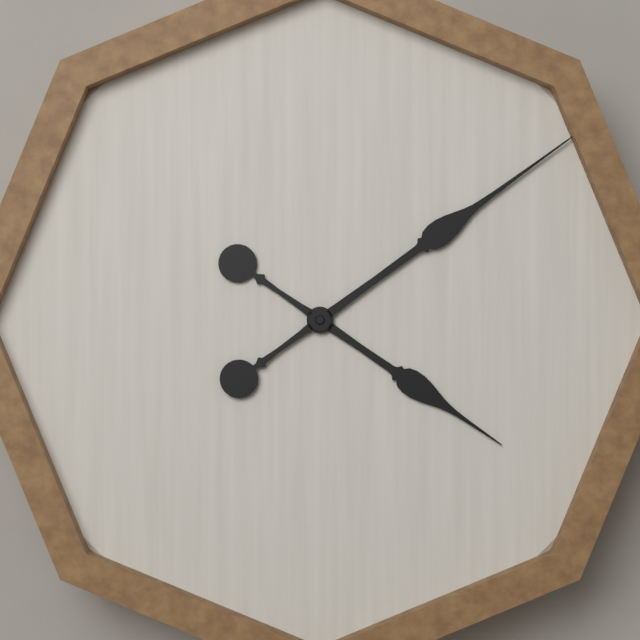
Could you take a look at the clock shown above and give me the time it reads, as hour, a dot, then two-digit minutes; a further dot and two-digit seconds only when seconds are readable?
4.09
